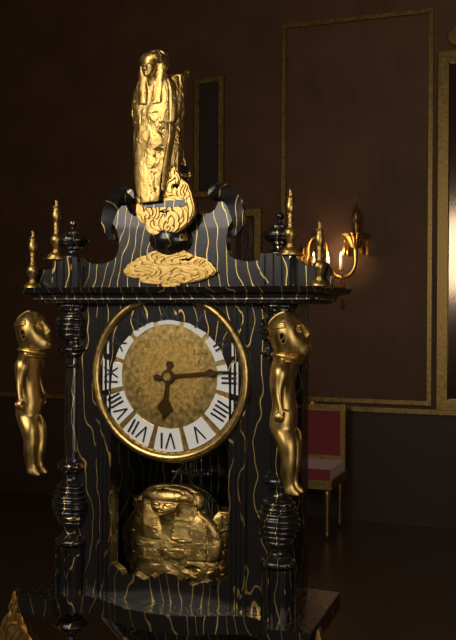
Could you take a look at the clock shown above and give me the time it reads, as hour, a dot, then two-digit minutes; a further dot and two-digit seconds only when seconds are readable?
6.14
